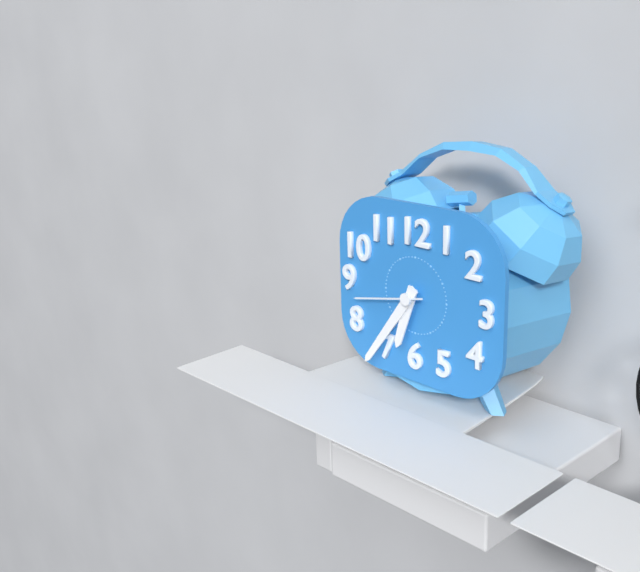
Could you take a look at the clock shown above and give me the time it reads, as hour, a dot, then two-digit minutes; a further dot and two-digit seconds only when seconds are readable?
6.36.43
